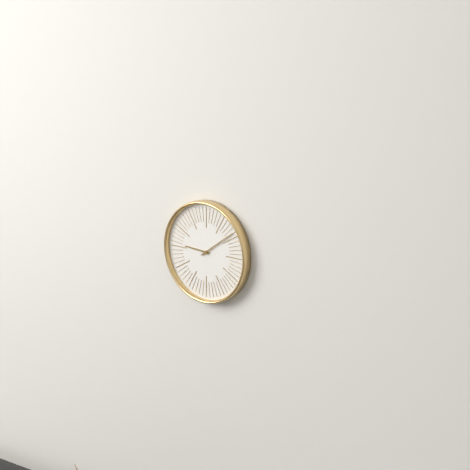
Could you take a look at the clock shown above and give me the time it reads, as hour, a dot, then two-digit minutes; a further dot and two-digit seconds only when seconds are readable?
9.09
